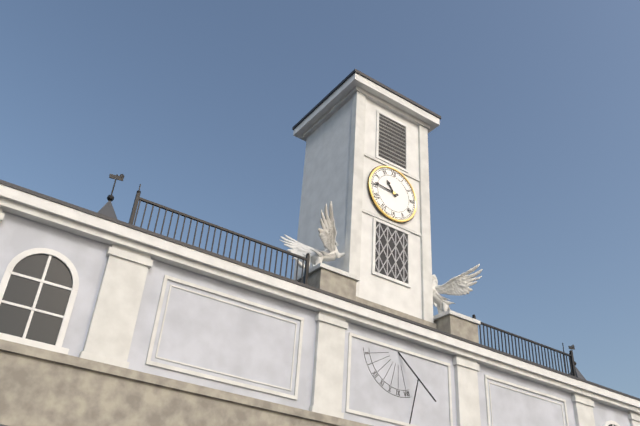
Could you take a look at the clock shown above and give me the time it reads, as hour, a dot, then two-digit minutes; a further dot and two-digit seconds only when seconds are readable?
10.46
